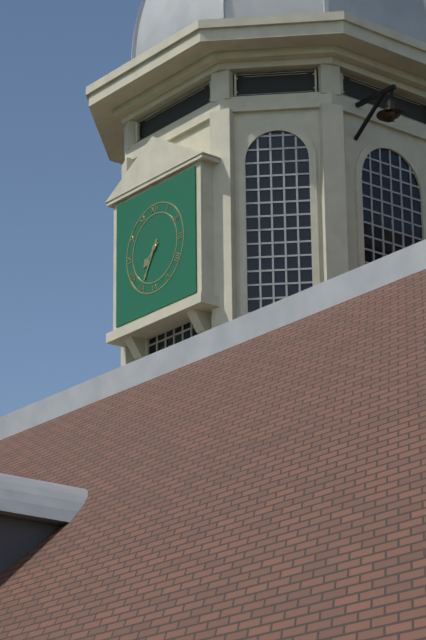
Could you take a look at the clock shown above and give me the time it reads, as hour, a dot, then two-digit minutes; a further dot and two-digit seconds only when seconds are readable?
7.35
